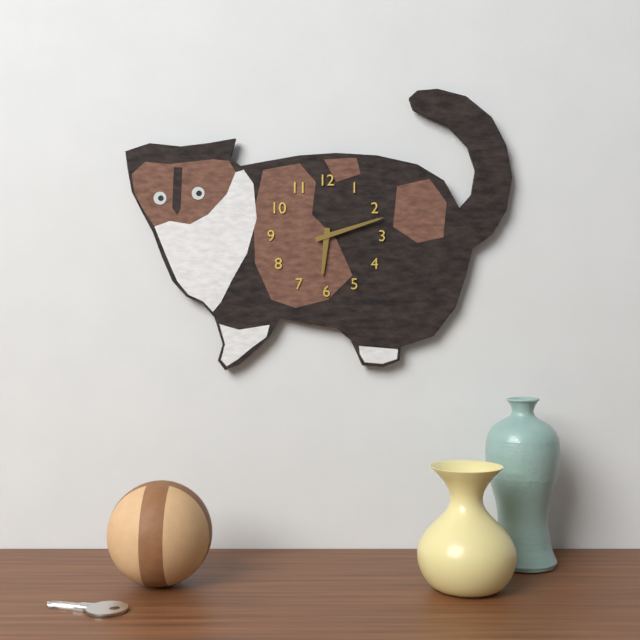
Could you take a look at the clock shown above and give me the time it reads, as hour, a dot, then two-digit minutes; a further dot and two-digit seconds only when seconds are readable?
6.12
